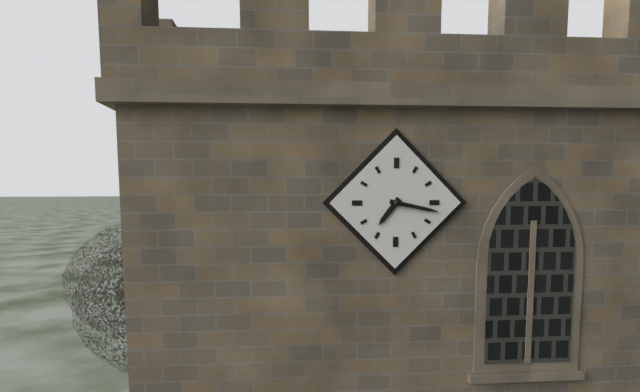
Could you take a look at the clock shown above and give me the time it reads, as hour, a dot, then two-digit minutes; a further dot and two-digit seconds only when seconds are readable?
7.17
